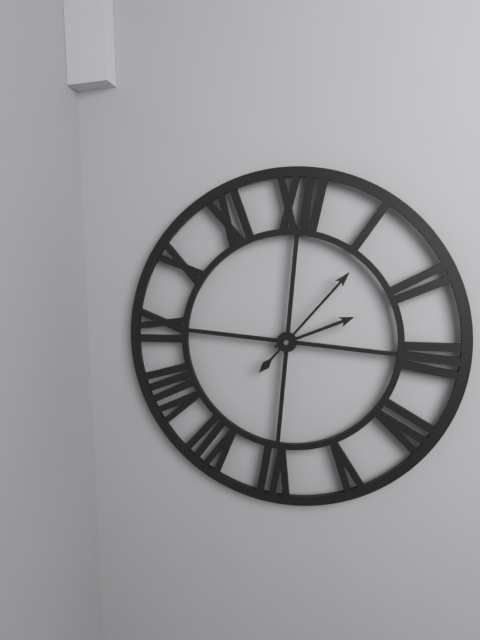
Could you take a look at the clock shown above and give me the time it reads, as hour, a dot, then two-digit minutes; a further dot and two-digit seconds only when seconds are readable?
2.06
